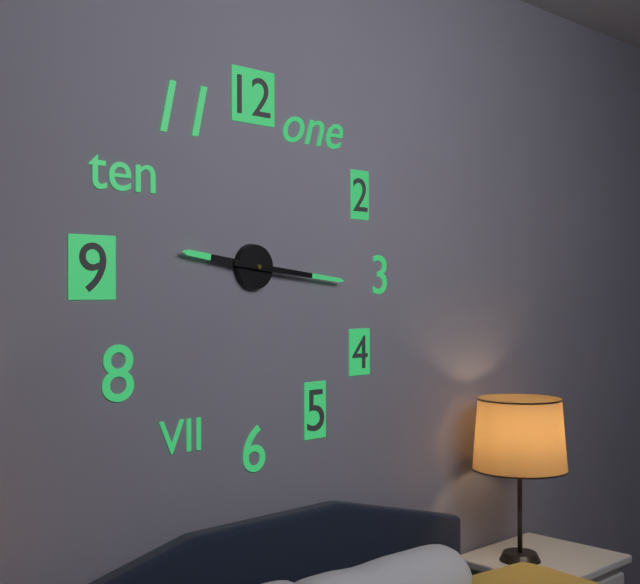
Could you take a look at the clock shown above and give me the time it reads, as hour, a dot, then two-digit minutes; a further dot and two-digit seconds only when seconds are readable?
9.16
